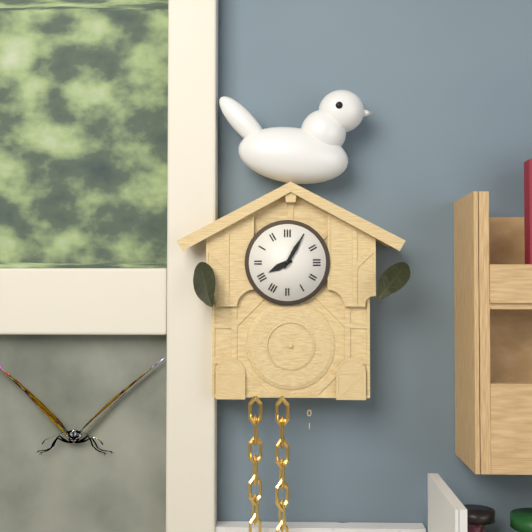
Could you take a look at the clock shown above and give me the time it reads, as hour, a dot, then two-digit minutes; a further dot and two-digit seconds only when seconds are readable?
8.05
